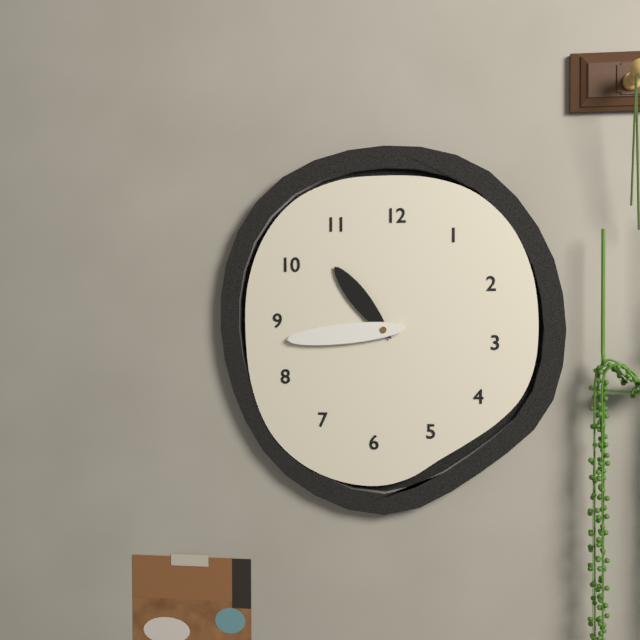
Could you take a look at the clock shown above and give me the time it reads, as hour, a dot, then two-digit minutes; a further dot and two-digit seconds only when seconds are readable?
10.44
